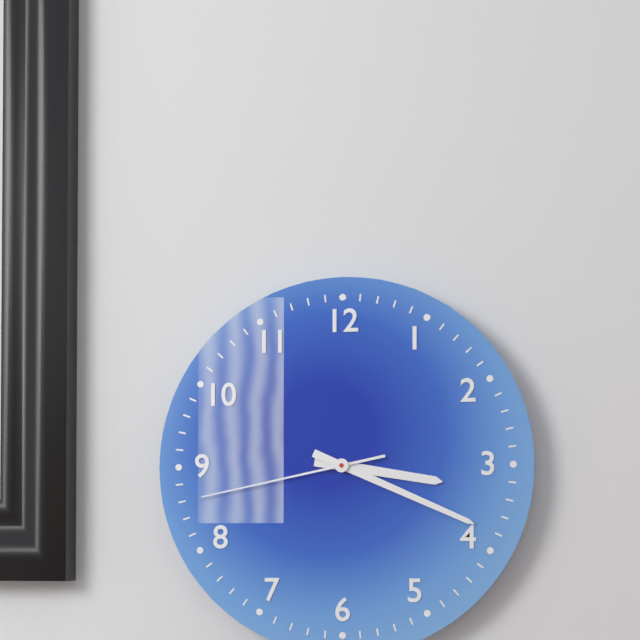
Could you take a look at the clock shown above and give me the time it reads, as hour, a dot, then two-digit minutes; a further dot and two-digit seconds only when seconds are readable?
3.19.43
